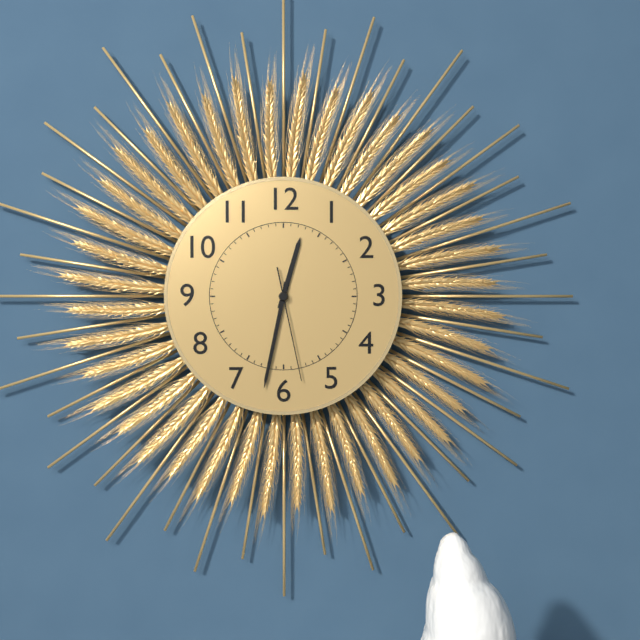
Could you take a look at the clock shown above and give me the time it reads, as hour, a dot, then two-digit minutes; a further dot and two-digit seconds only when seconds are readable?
12.32.28
